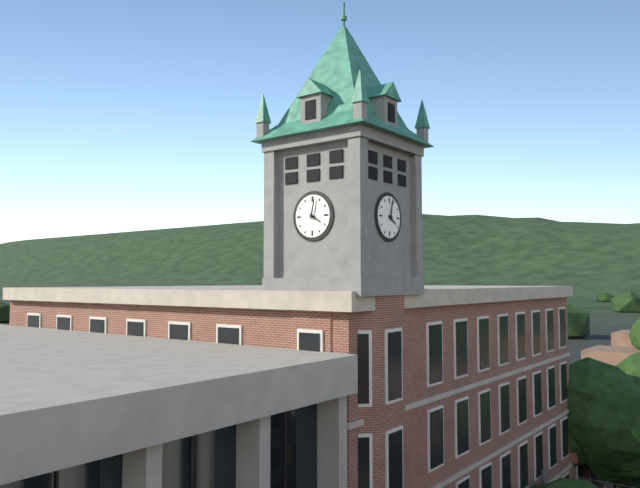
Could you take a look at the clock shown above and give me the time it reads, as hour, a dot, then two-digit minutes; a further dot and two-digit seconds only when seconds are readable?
4.02
